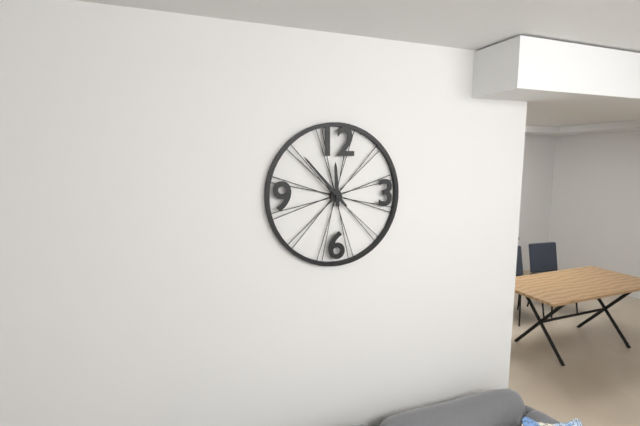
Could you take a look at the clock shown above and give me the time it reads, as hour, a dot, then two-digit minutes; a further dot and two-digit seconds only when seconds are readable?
11.53
